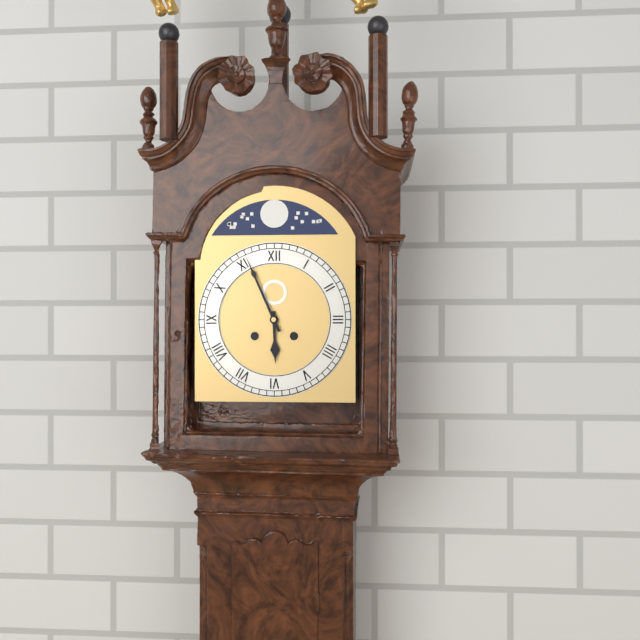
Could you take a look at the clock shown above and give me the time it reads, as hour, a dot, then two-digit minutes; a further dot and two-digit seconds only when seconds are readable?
5.56
